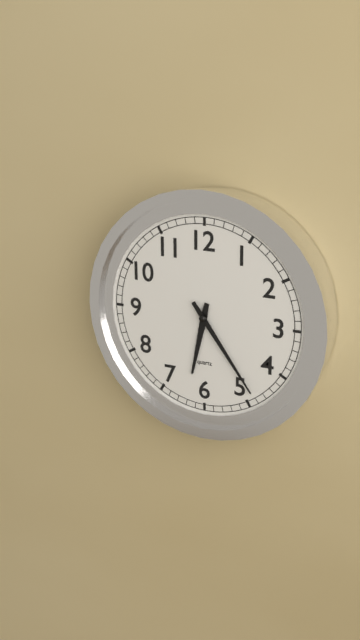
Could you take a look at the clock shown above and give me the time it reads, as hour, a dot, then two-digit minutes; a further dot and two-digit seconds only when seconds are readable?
6.24
